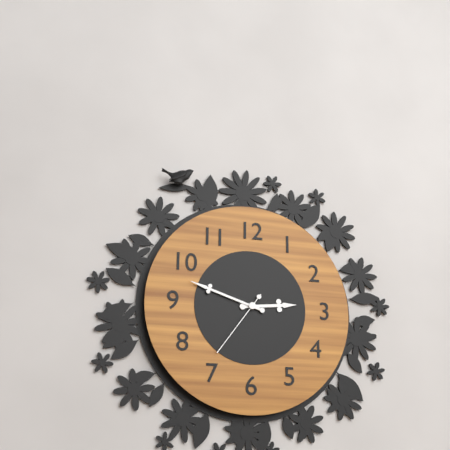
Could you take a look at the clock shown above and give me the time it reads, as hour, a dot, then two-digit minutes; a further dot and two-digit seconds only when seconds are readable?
2.48.36
